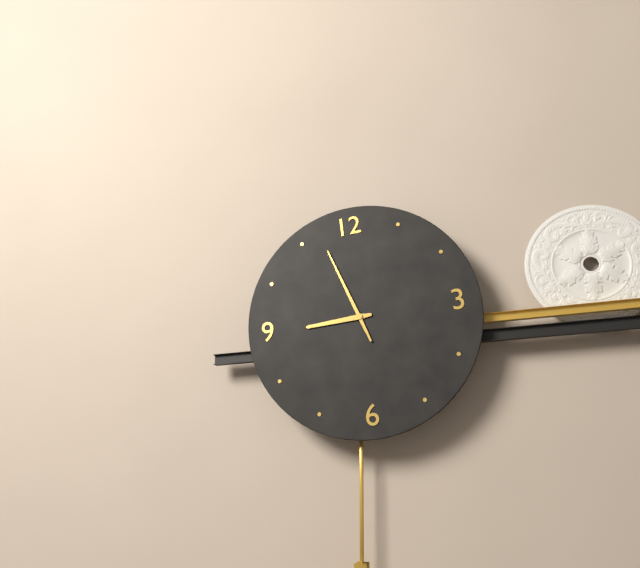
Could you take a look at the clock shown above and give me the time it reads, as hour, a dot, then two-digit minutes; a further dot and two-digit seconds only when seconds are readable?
8.57
